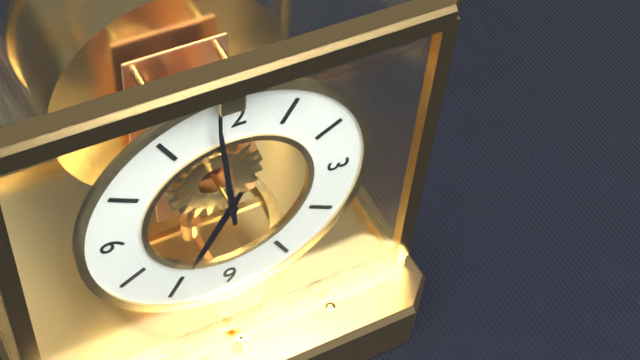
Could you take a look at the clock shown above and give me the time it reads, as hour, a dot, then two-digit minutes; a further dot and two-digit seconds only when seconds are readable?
6.59
